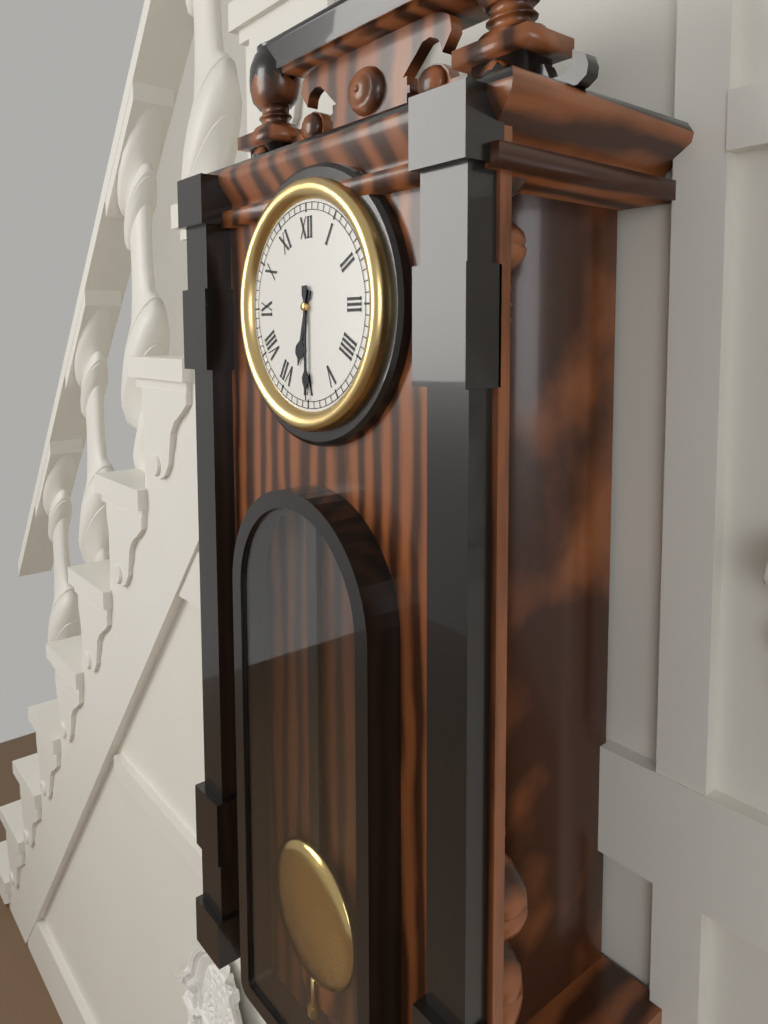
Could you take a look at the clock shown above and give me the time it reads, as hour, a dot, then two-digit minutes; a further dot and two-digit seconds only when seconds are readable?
6.30
